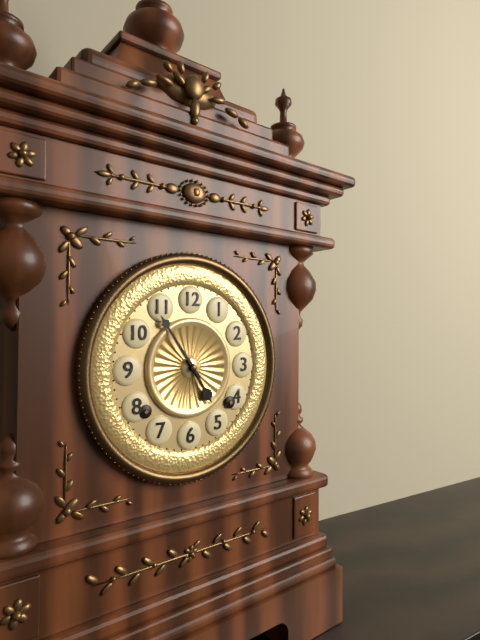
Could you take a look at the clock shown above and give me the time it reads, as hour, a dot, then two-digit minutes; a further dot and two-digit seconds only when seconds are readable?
4.54
